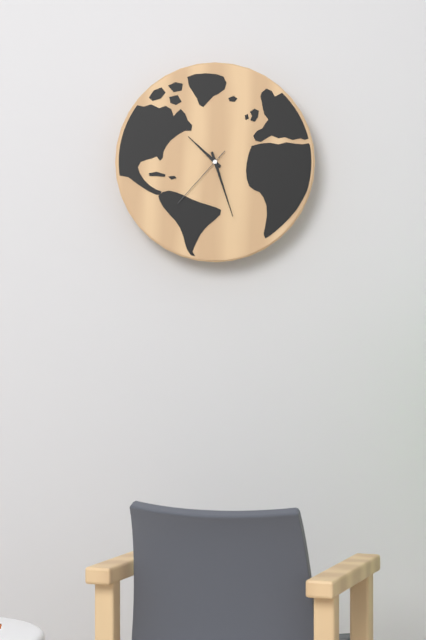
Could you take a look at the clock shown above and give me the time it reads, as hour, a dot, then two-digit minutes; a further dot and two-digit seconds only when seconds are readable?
10.27.37
